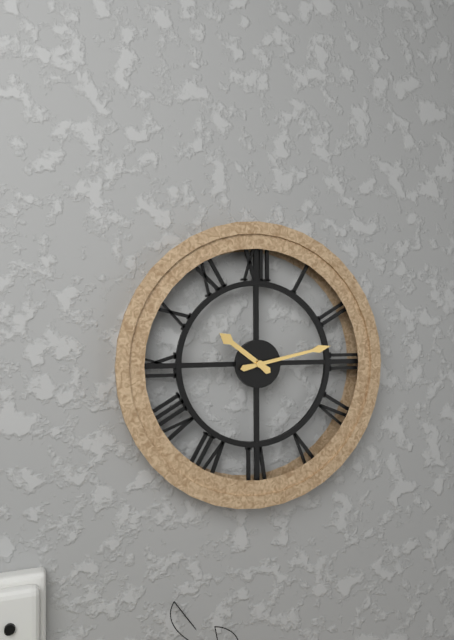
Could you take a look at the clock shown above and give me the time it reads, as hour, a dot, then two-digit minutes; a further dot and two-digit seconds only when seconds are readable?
10.13
